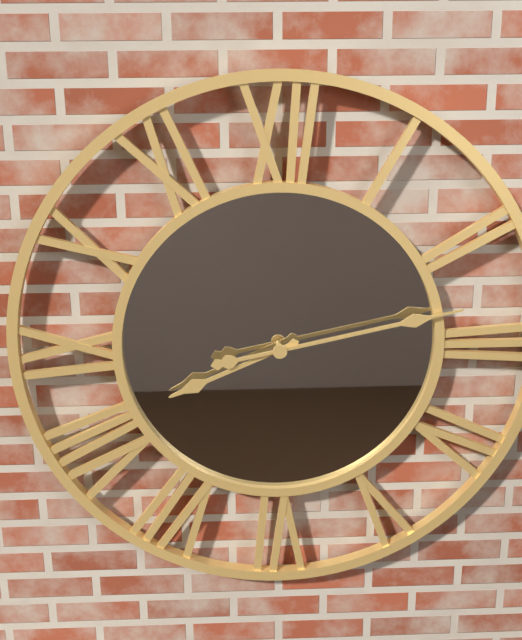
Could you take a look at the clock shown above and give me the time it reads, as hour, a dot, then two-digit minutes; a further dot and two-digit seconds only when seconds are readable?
8.13
